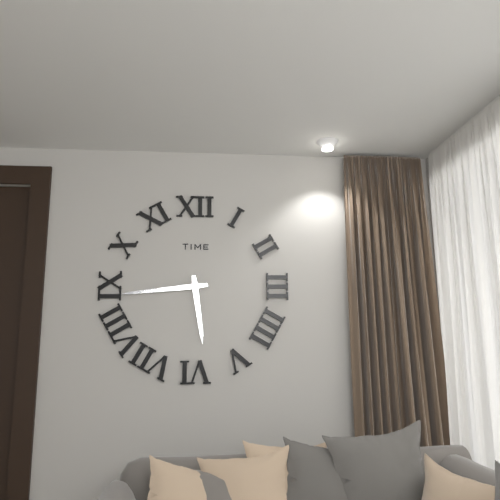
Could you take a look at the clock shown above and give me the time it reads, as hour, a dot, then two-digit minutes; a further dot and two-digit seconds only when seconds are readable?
5.44
